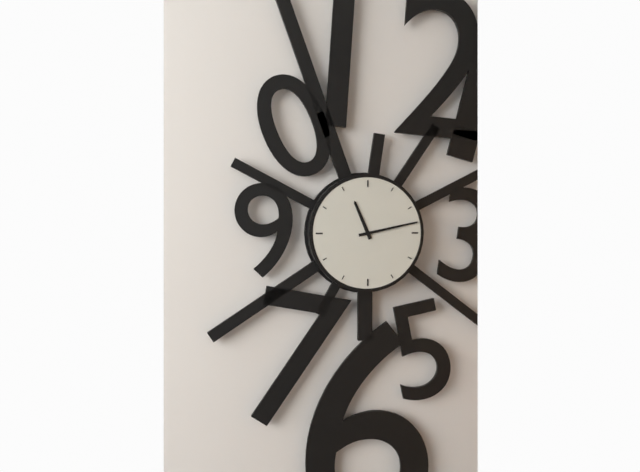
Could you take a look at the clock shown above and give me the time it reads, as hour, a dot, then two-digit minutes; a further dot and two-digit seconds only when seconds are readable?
11.13
